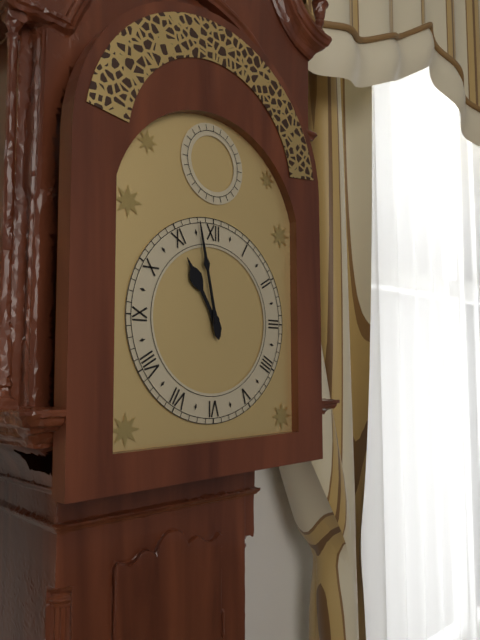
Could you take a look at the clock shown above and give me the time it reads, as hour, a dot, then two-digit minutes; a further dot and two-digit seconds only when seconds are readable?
10.58
